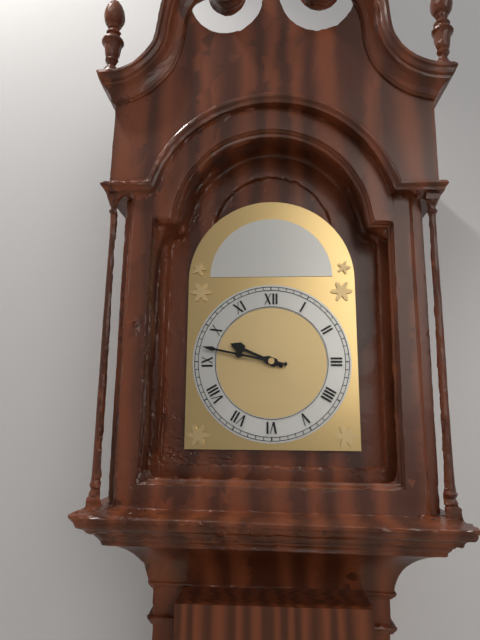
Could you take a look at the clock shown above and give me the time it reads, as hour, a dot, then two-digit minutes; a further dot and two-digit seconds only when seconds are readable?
9.47
